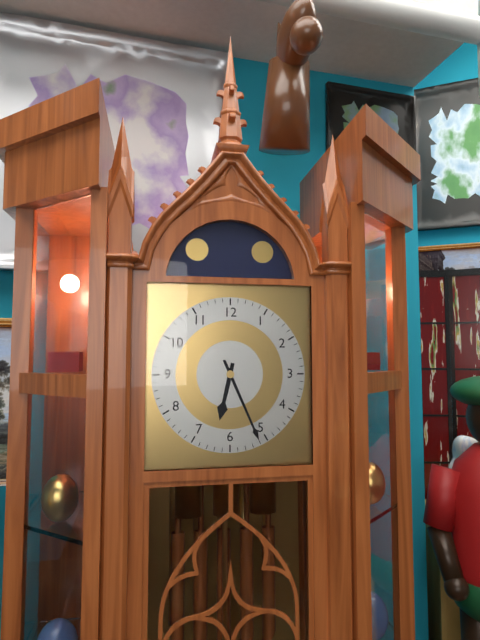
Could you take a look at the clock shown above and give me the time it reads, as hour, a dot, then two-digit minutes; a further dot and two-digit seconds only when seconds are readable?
6.26
